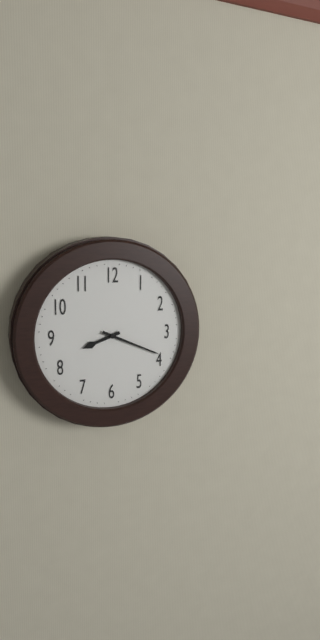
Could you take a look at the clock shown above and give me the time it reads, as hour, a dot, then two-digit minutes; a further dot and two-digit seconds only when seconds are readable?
8.19
